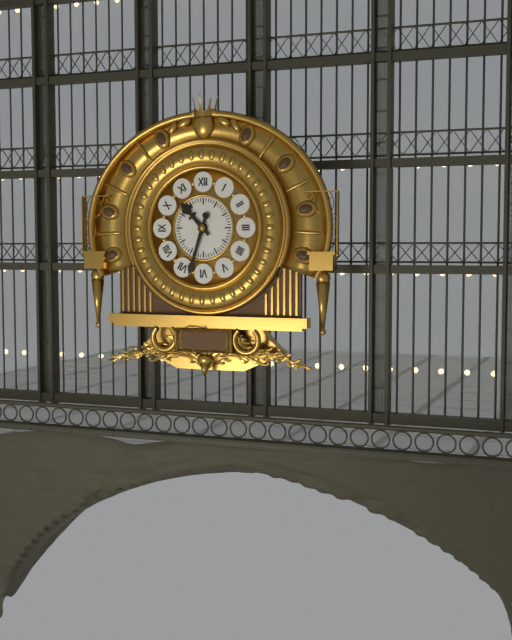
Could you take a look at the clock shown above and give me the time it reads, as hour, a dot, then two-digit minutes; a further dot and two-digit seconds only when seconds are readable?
10.33
